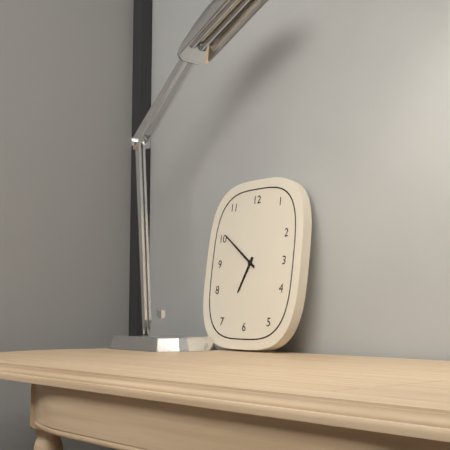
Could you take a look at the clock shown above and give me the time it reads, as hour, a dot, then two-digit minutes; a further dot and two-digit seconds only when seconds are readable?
6.51
